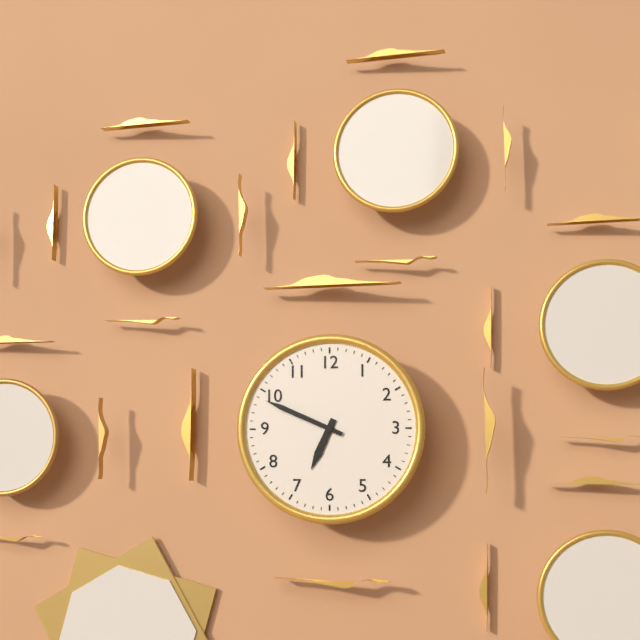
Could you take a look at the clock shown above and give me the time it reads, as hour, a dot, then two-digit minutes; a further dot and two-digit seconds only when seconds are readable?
6.49
